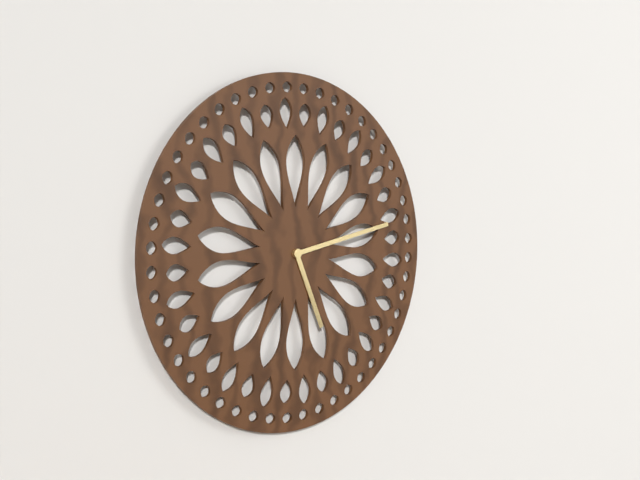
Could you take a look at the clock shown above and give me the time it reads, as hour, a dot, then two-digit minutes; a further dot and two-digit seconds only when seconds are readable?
5.13
